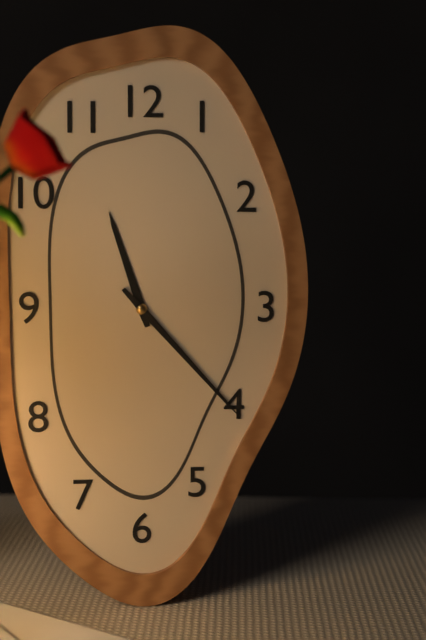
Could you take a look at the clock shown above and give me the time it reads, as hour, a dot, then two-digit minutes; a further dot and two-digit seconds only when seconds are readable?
11.23
